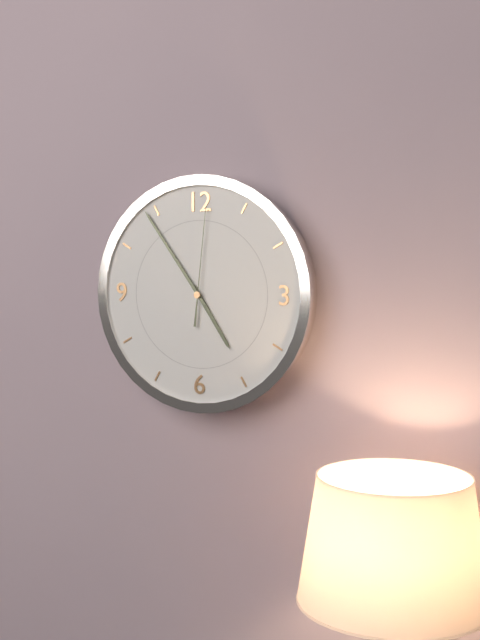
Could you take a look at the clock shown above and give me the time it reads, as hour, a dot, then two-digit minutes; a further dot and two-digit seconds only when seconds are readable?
4.54.01
